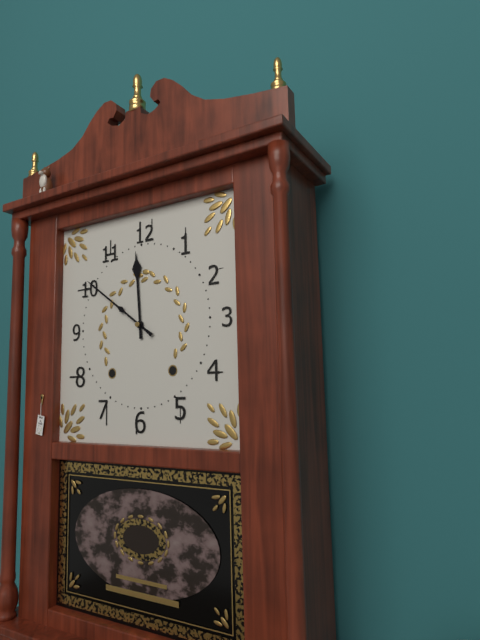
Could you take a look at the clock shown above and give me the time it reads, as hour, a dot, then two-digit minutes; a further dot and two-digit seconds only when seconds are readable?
11.51
